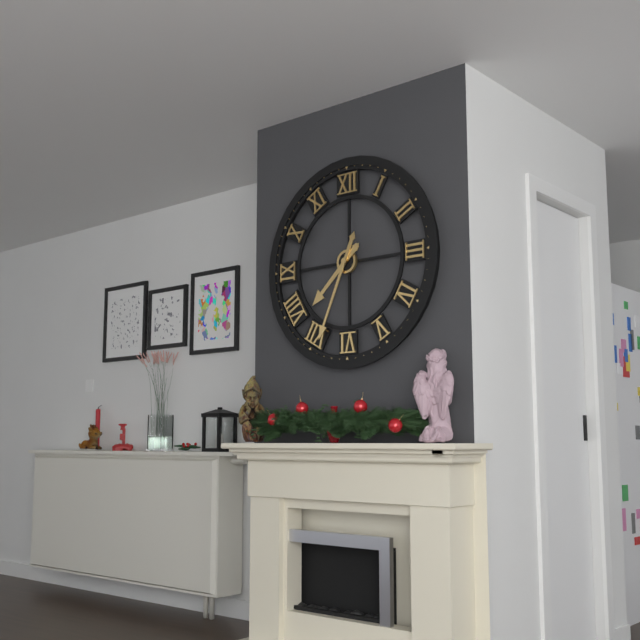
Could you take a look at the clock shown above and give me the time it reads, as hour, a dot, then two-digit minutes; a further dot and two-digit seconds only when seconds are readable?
7.34
